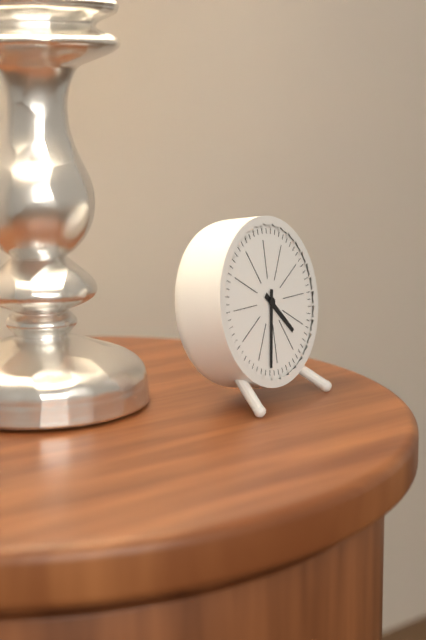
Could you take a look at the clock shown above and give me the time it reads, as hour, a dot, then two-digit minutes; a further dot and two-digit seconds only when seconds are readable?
4.32
